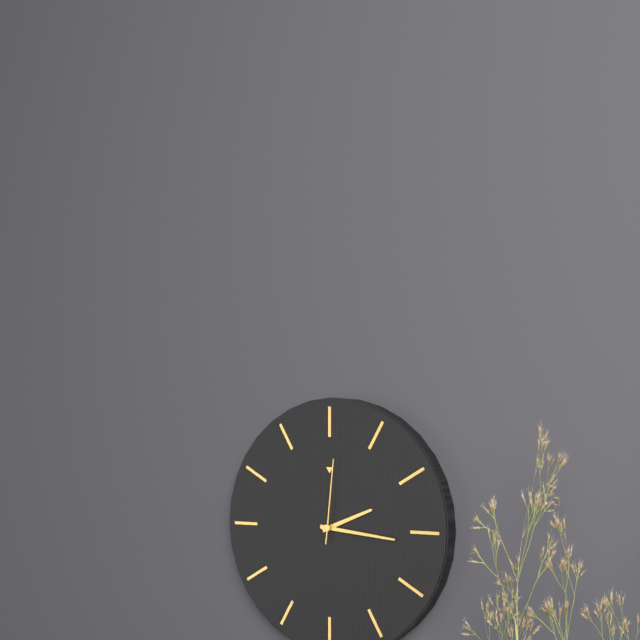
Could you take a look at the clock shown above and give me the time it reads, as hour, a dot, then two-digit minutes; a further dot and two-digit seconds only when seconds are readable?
2.16.01
